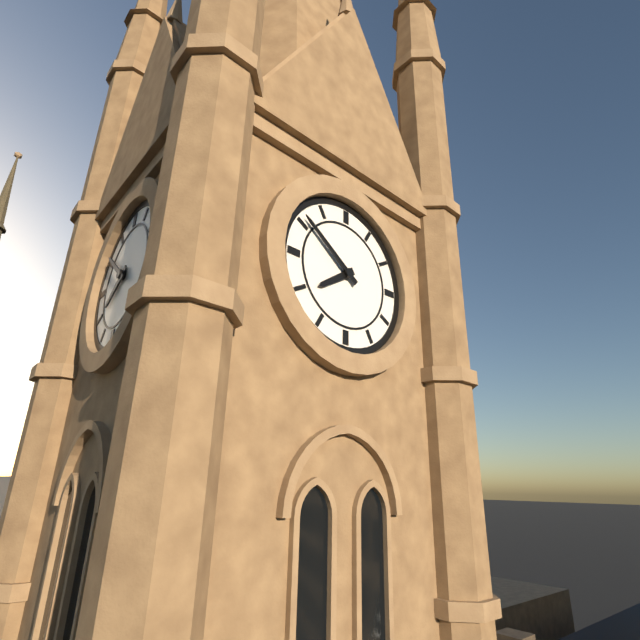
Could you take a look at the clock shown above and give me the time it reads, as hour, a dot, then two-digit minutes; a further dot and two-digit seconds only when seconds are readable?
7.51
